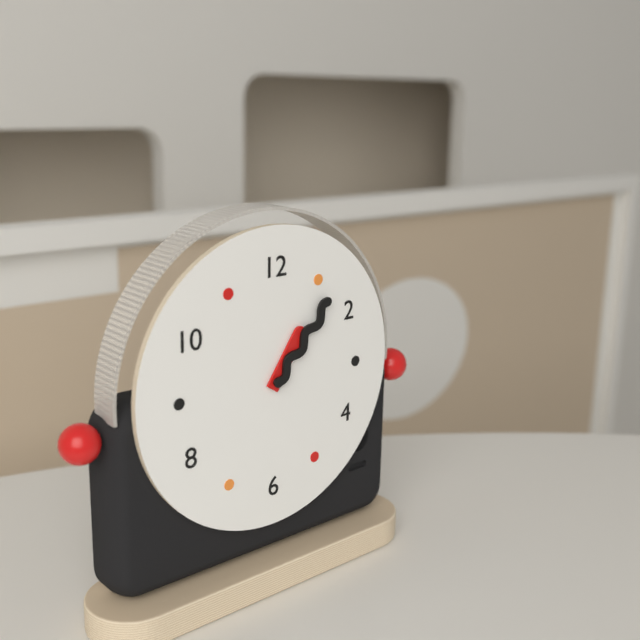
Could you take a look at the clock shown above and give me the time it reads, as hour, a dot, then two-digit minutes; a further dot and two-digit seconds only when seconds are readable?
1.07
